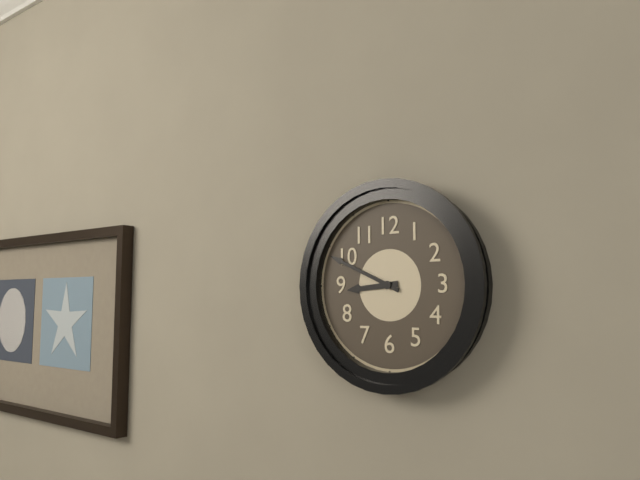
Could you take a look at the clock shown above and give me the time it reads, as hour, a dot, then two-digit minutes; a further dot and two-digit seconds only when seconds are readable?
8.49
